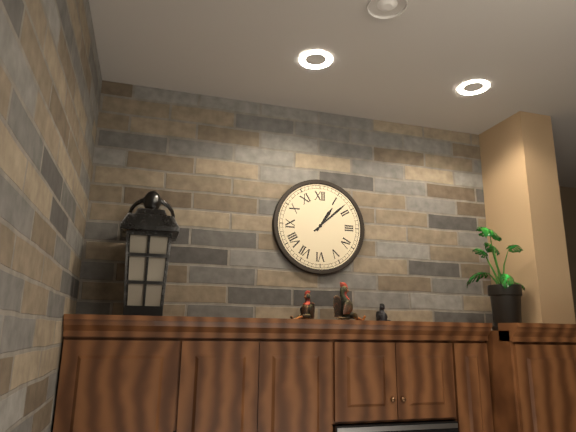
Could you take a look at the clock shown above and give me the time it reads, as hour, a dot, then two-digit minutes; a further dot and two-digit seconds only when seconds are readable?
1.08
